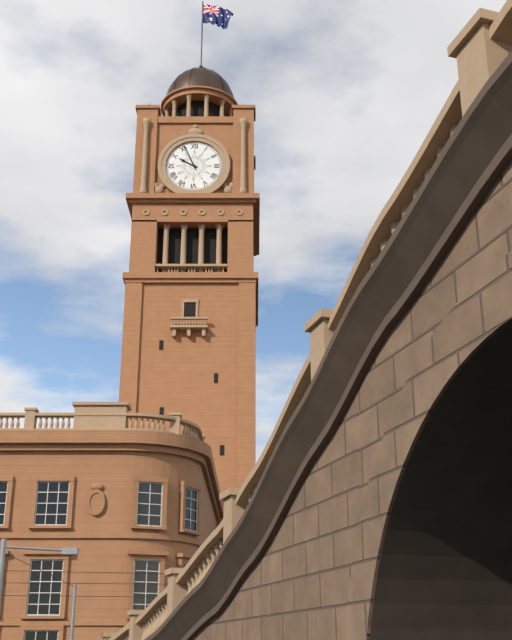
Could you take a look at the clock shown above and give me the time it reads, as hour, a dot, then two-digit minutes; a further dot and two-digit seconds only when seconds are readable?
9.56
